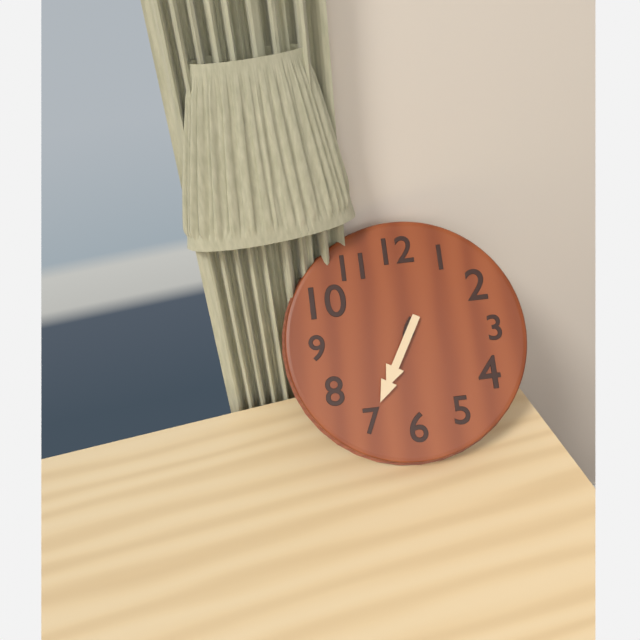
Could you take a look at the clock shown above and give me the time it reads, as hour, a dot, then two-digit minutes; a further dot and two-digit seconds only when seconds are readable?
12.35
